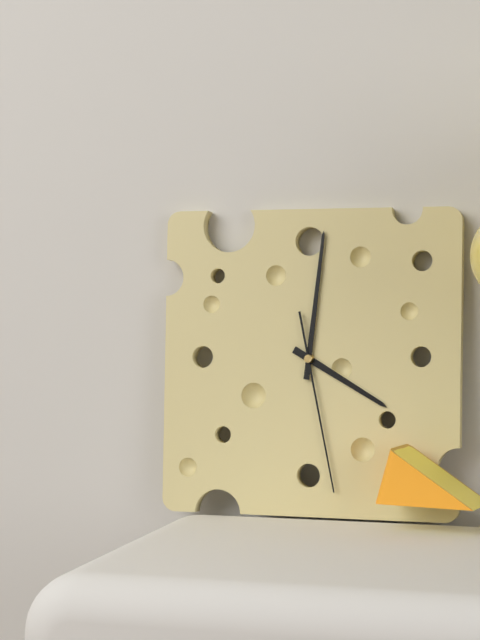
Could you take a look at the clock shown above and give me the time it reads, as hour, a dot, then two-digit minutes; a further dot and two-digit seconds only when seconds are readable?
4.01.28
